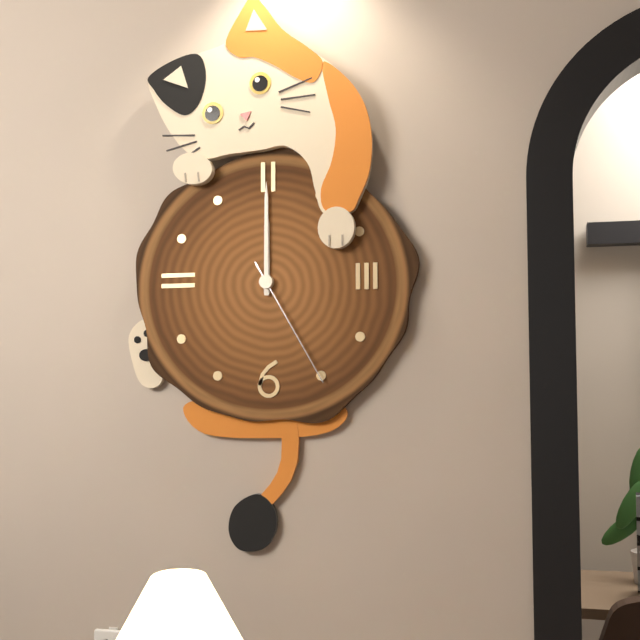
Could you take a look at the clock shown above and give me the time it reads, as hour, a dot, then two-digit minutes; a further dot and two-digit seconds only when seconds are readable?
12.00.25
